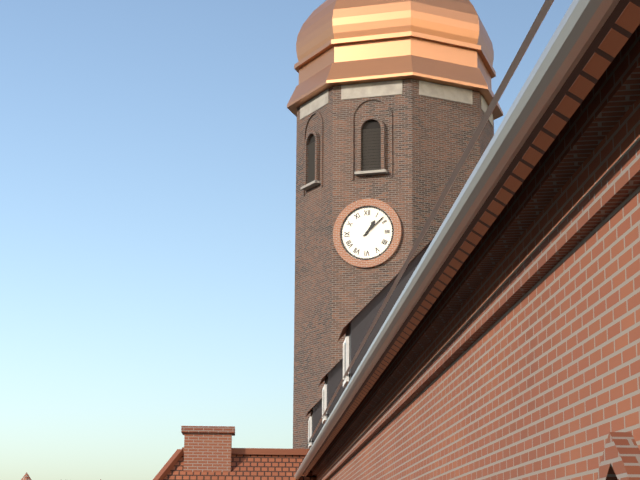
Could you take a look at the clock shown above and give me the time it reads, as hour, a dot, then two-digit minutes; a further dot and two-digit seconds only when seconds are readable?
1.08
